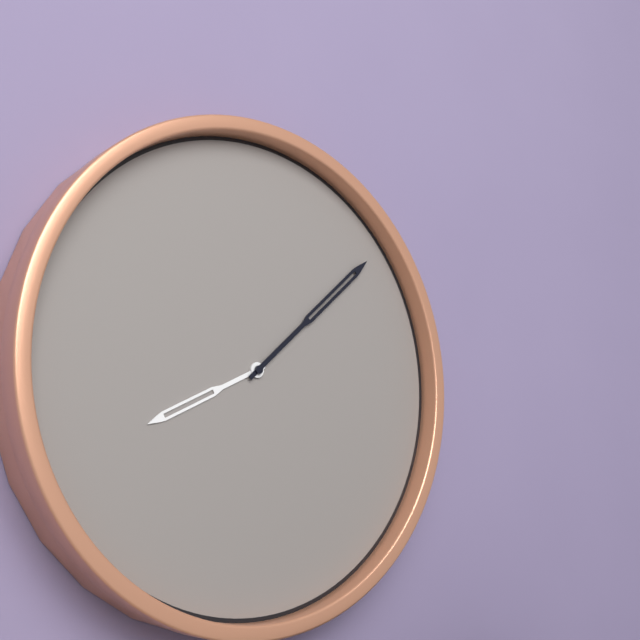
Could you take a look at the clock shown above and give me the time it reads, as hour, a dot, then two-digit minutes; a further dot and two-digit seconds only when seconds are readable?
8.08
